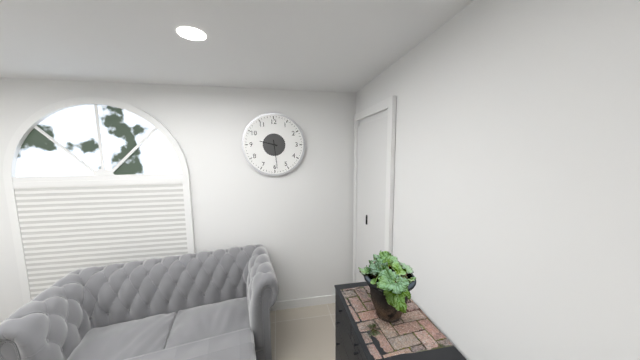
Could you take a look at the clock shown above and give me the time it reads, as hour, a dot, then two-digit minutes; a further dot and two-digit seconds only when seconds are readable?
9.29
